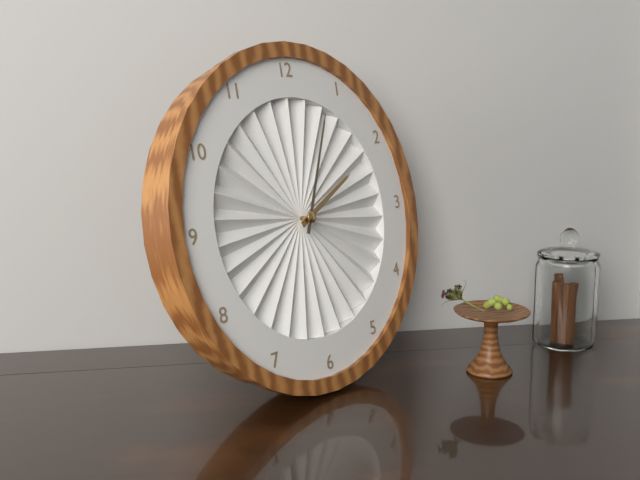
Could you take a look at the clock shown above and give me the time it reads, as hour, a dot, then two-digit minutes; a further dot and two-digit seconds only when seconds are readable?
2.04
